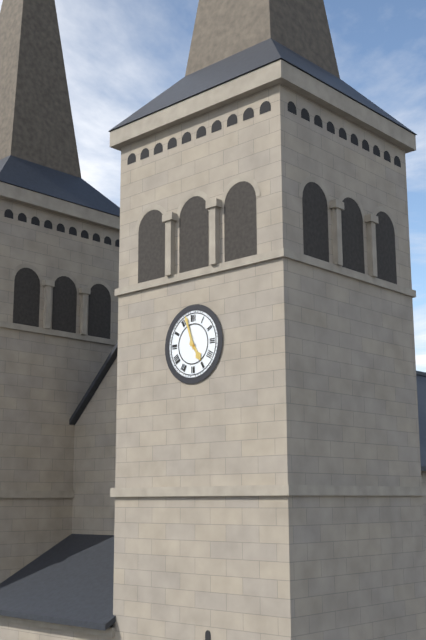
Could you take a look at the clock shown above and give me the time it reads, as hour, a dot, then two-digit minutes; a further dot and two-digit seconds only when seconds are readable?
4.57
